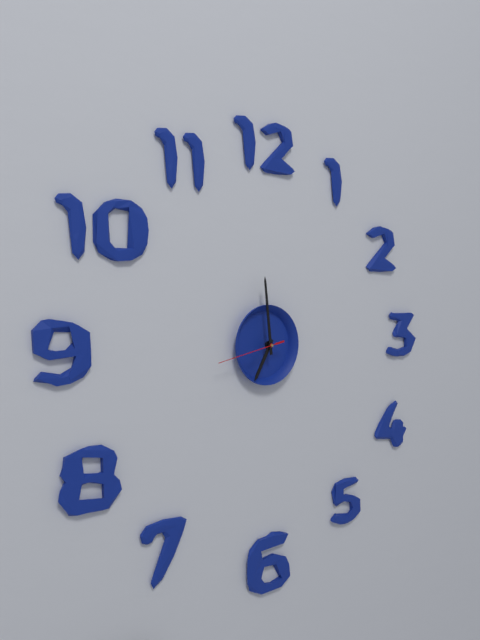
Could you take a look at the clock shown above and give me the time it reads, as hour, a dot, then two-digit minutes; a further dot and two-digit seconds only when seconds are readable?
6.59.43
